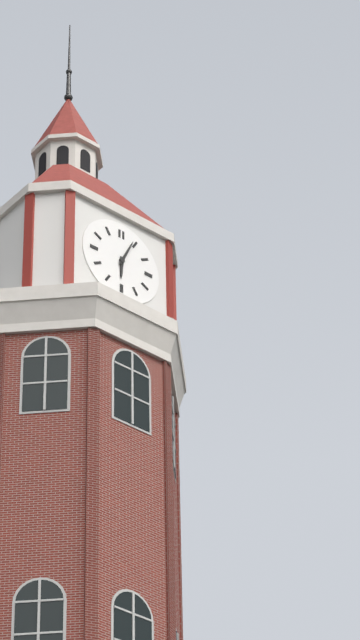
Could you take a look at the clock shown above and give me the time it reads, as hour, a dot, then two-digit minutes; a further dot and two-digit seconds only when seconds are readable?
6.04
